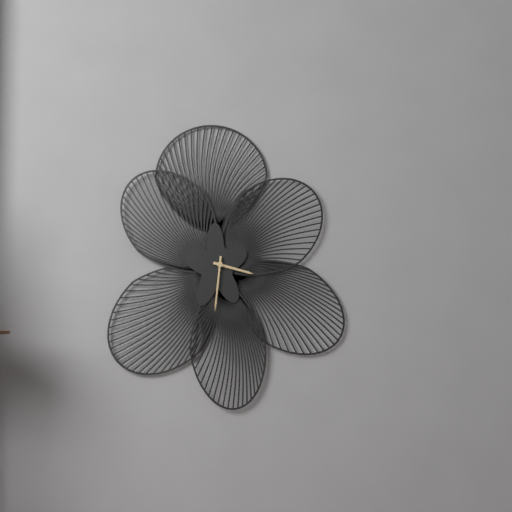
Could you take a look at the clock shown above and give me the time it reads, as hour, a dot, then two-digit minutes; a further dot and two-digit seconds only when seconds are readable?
3.31
